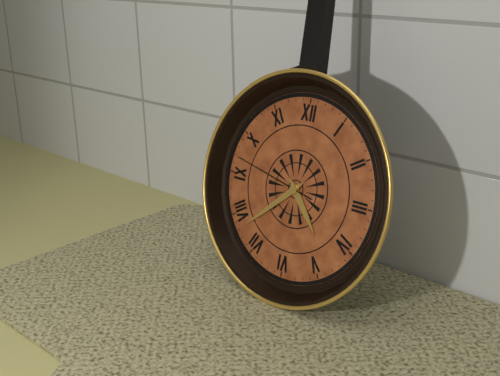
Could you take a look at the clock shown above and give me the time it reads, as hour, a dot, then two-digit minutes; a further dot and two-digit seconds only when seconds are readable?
4.38.47
